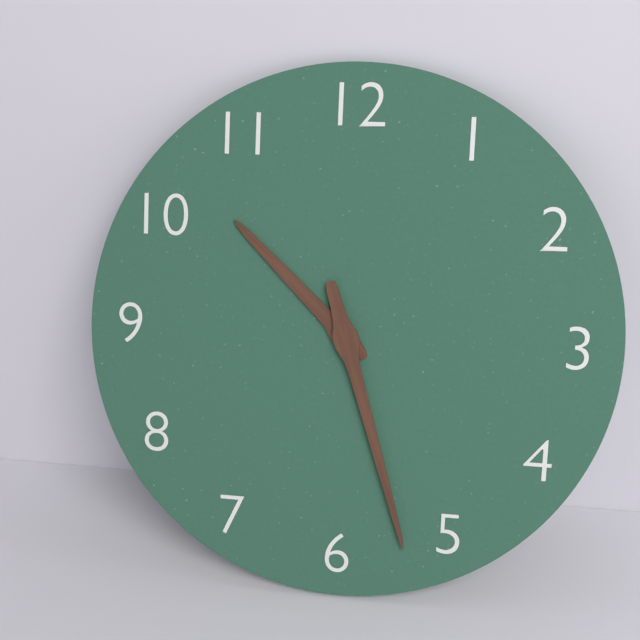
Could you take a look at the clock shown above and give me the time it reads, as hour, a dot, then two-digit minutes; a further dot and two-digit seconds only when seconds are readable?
10.27
